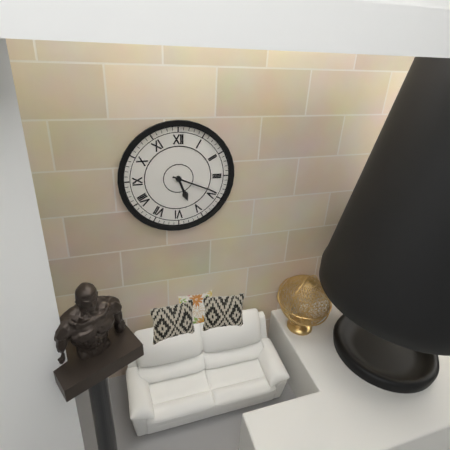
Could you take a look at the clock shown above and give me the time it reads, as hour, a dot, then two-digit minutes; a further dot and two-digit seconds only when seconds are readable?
5.19
